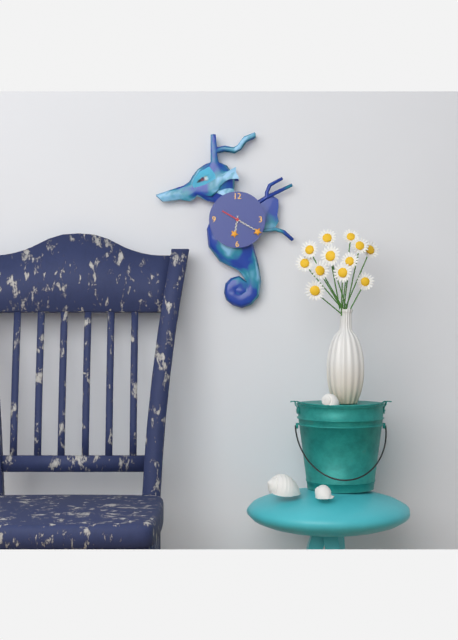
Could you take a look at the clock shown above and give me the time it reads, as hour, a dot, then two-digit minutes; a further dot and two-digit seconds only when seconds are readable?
6.20
